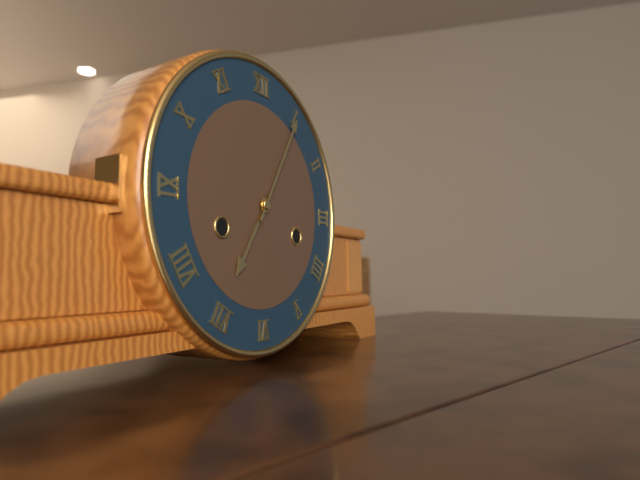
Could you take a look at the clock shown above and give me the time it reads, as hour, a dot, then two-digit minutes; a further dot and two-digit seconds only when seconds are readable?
7.05
